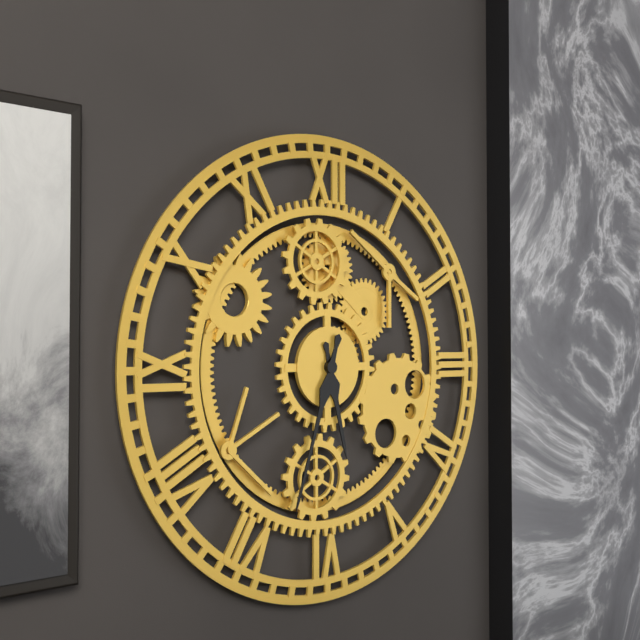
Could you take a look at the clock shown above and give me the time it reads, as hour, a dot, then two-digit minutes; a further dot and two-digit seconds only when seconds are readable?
5.33
